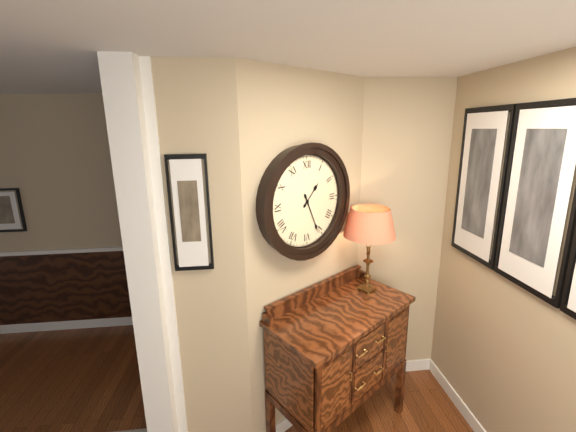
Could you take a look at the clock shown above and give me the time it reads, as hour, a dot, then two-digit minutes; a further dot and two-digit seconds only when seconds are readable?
1.26
